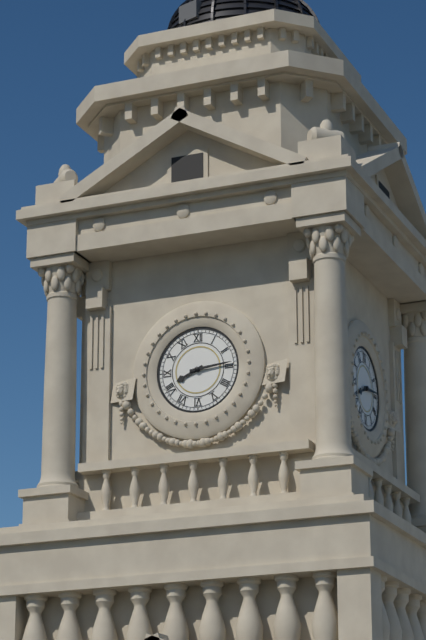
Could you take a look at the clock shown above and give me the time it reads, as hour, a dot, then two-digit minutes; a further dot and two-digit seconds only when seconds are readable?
8.14
